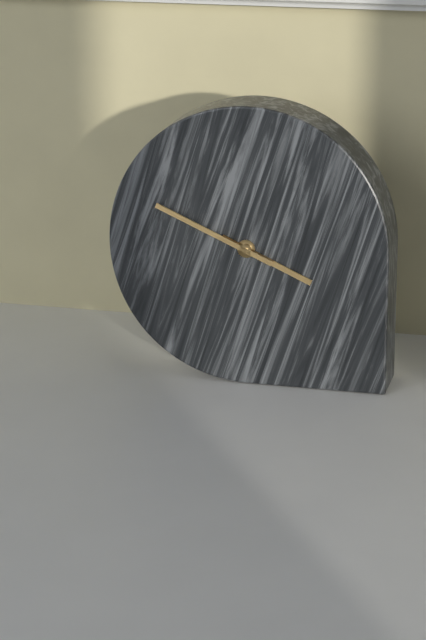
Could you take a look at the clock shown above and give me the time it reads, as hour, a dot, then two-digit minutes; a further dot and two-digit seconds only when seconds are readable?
3.49
